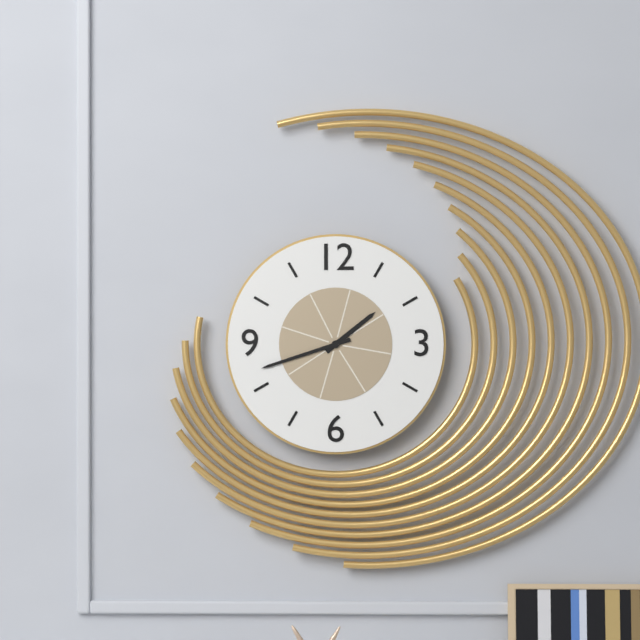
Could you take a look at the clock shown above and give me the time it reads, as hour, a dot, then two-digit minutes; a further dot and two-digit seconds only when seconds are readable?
1.42
